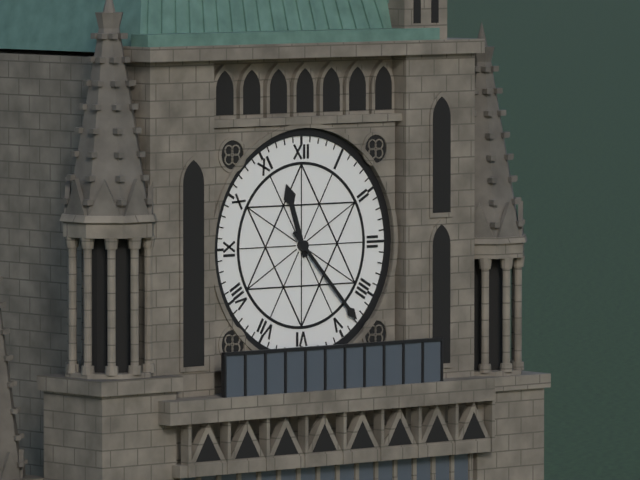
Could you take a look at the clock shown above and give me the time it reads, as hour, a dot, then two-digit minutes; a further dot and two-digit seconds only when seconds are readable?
11.23
